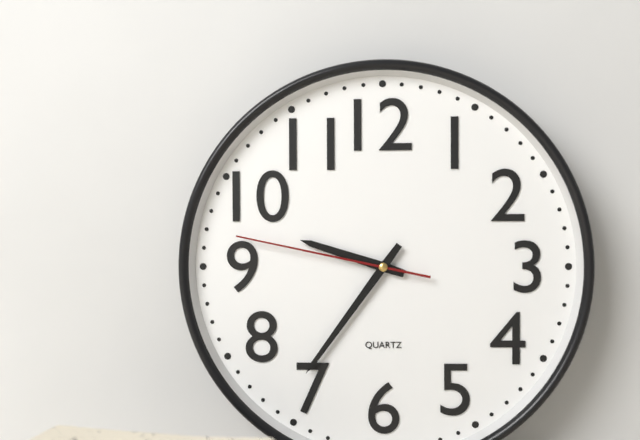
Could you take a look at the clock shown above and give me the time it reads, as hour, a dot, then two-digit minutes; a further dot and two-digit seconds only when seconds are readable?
9.36.47
